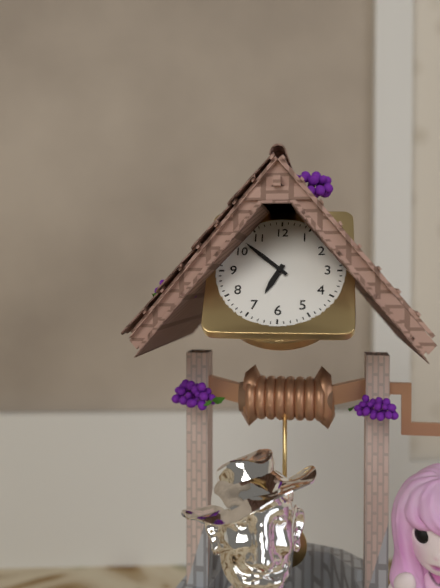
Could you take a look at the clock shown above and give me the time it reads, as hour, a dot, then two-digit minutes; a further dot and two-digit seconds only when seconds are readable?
6.52
